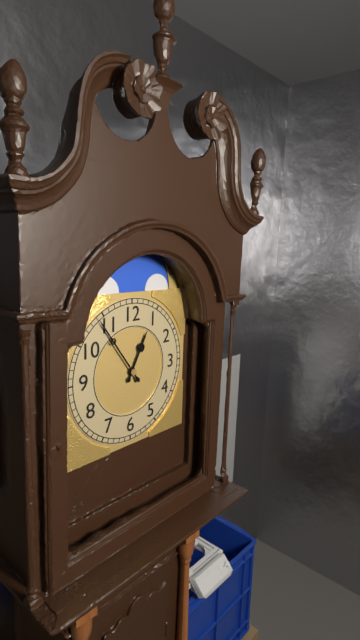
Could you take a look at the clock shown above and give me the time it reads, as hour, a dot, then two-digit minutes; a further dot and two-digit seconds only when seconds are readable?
12.54
